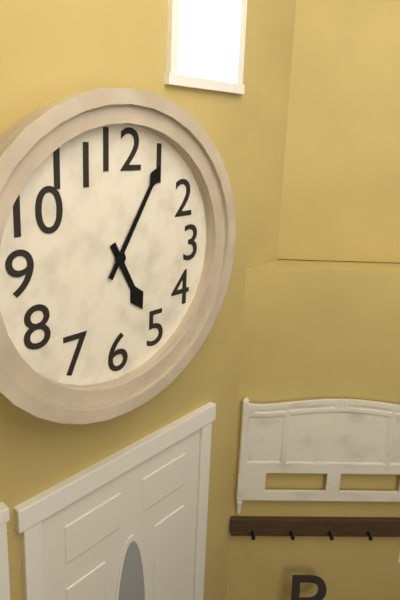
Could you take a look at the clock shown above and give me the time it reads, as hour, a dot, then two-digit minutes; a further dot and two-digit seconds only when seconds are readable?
5.05
